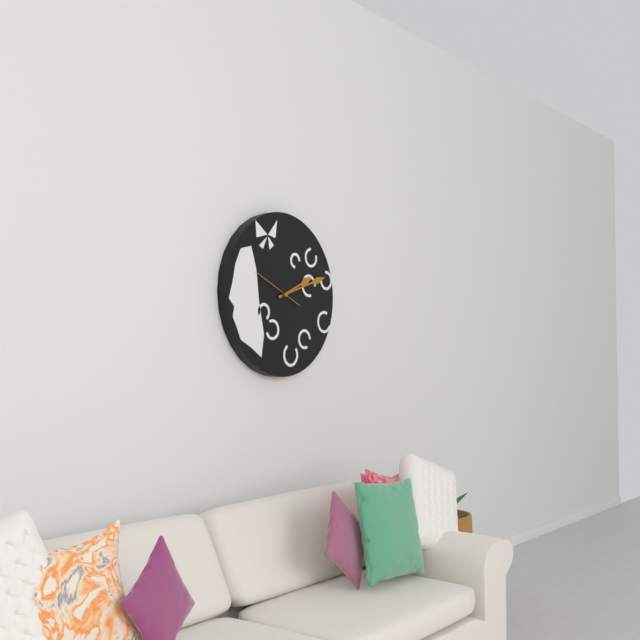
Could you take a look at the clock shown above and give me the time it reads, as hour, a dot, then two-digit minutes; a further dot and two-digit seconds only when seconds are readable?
2.12
